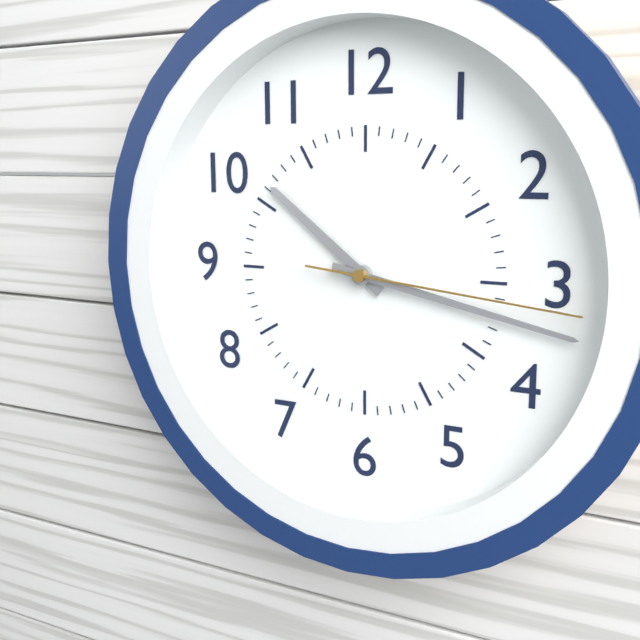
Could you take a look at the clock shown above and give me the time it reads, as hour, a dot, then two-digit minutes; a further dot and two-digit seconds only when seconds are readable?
10.17.16
